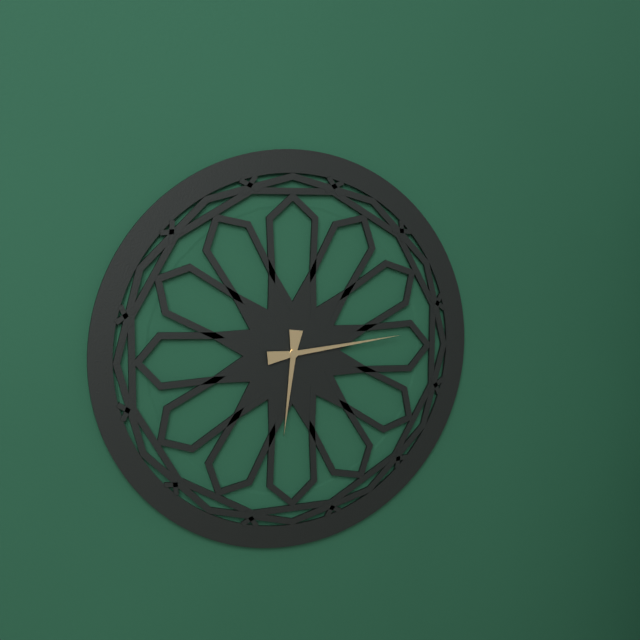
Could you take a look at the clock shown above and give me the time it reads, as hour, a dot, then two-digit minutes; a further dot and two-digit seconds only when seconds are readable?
6.14
